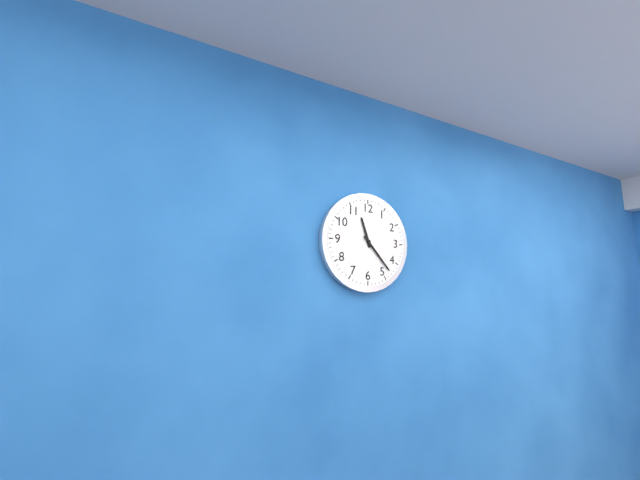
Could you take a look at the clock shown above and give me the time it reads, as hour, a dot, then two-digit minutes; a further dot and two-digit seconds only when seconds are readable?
11.23
